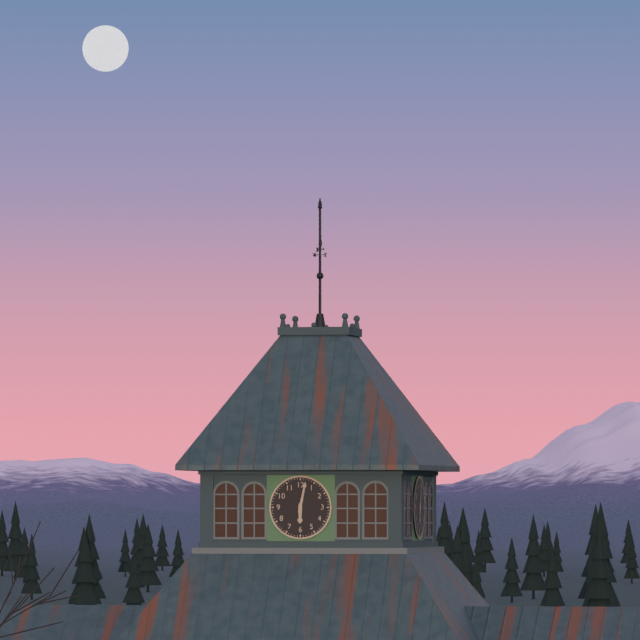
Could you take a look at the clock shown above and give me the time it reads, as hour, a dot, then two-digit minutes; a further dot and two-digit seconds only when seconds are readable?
6.02
